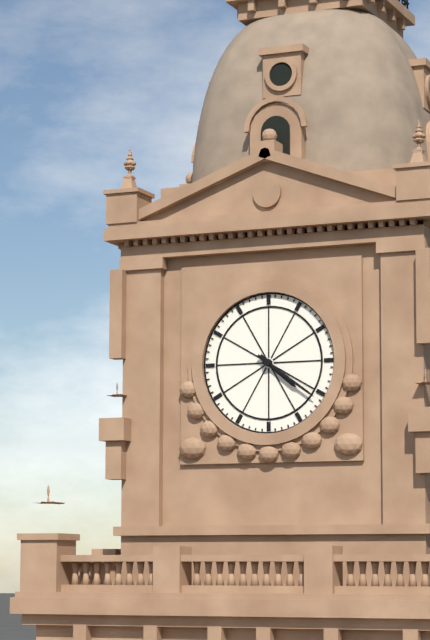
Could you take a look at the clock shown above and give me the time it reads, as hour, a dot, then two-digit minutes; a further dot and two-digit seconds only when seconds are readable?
4.21
